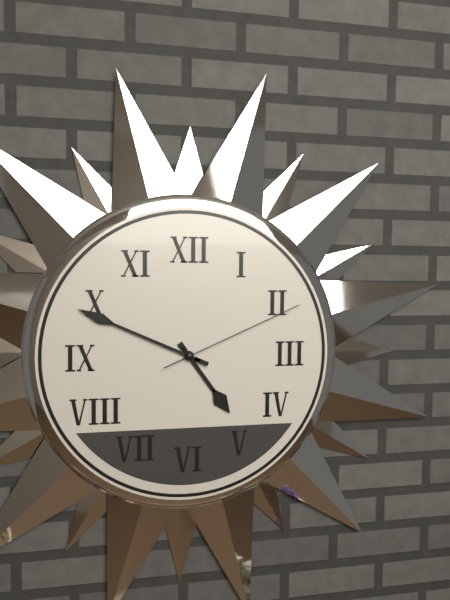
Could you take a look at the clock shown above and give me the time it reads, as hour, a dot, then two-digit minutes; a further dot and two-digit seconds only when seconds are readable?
4.49.11
